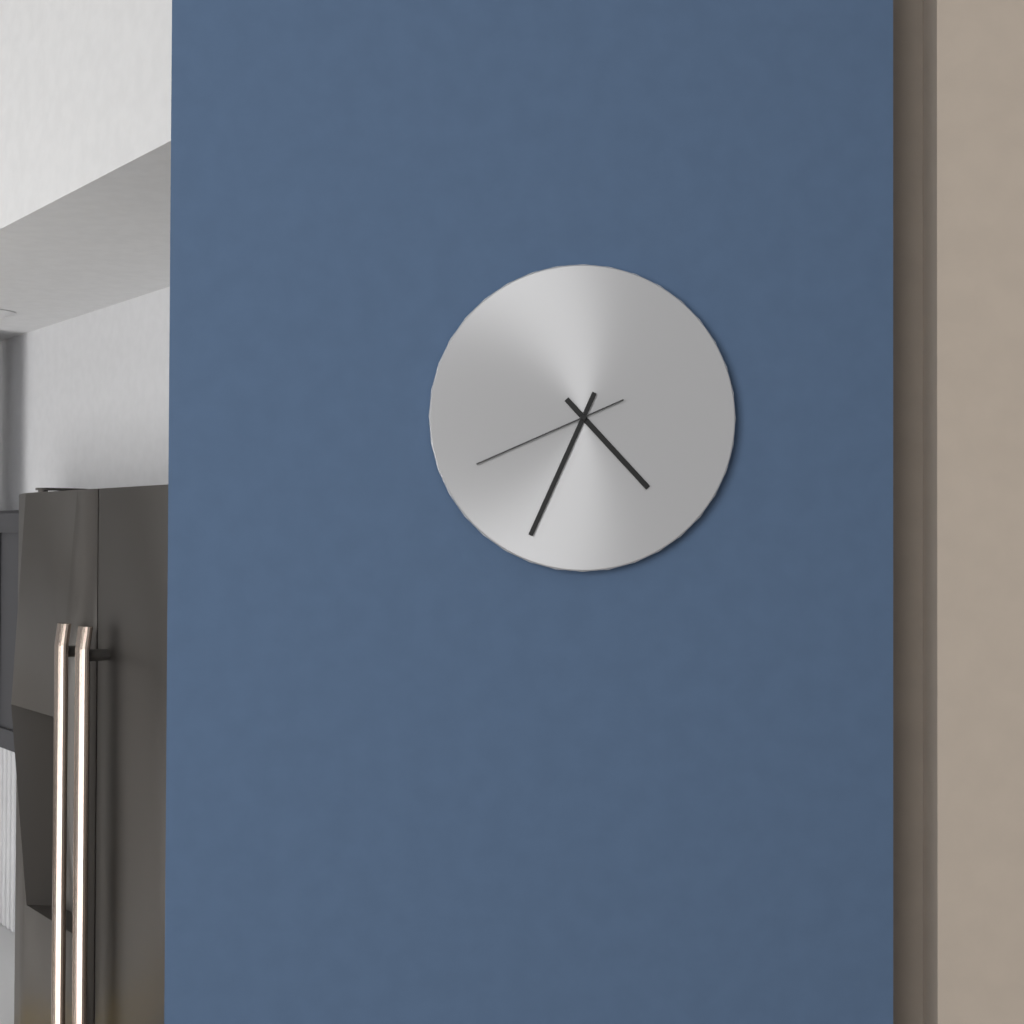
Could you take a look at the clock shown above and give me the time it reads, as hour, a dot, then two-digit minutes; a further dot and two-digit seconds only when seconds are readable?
4.34.41
